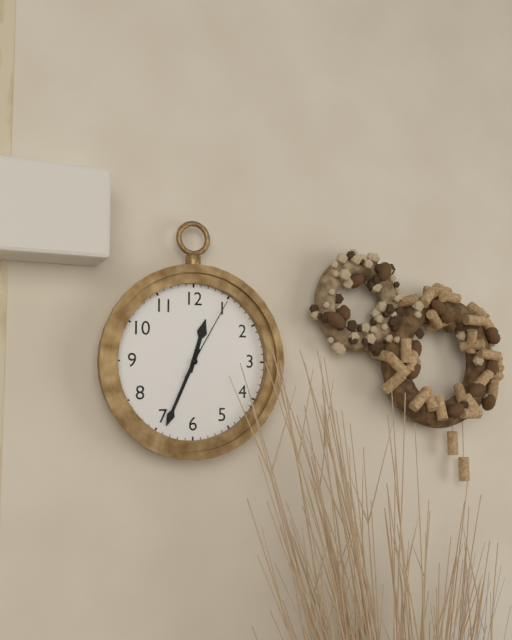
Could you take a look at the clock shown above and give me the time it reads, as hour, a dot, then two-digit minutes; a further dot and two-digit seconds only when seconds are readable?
12.34.05
